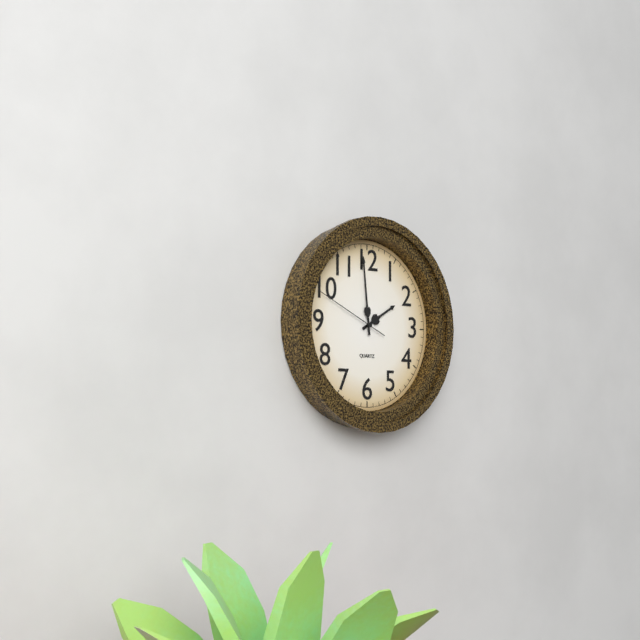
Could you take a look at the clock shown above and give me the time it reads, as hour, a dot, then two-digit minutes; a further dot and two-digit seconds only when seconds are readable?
1.59.49
